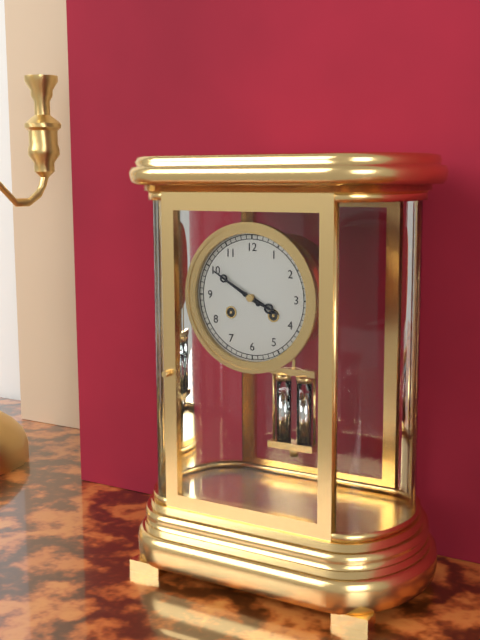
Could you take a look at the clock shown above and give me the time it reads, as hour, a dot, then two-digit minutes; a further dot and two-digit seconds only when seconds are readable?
3.50
